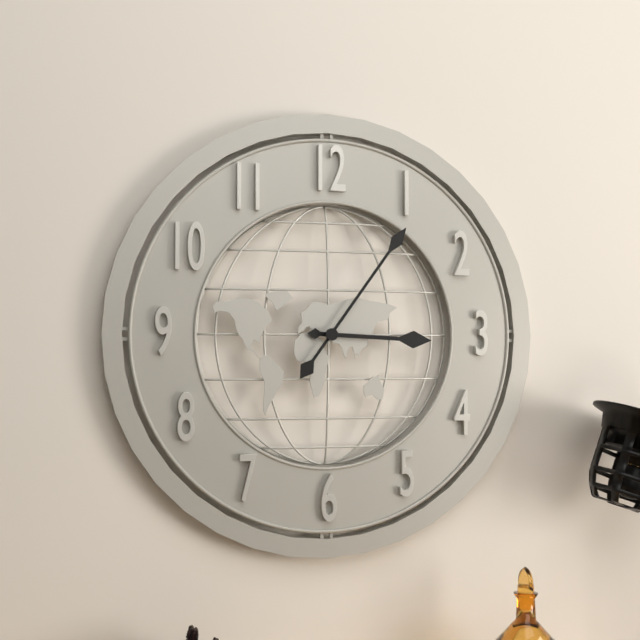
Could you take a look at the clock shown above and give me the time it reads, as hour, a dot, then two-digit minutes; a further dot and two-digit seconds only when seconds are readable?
3.06
